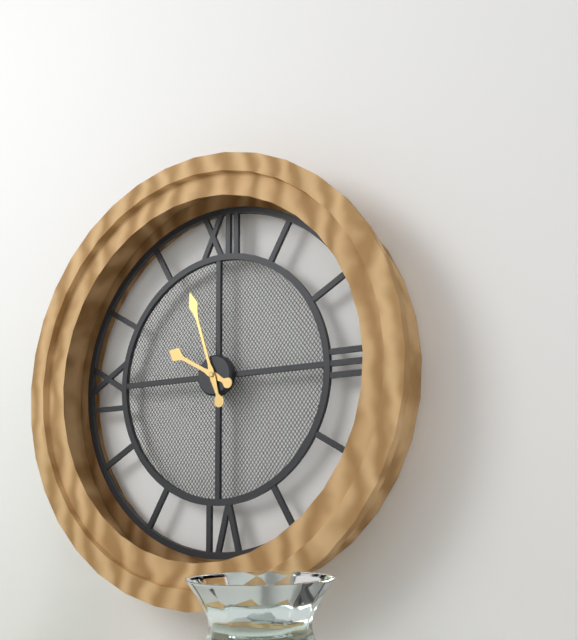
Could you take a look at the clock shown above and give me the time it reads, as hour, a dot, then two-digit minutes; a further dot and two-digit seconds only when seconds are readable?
9.57
